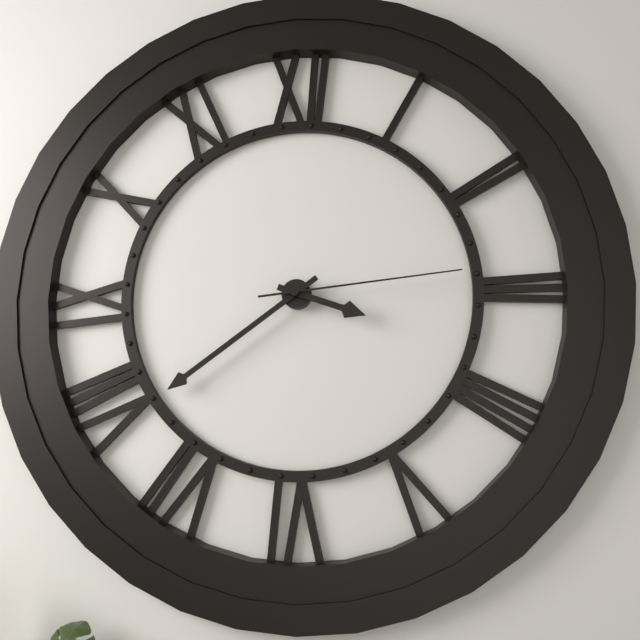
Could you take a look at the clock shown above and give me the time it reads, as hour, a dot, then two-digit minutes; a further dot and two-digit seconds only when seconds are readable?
3.39.14
